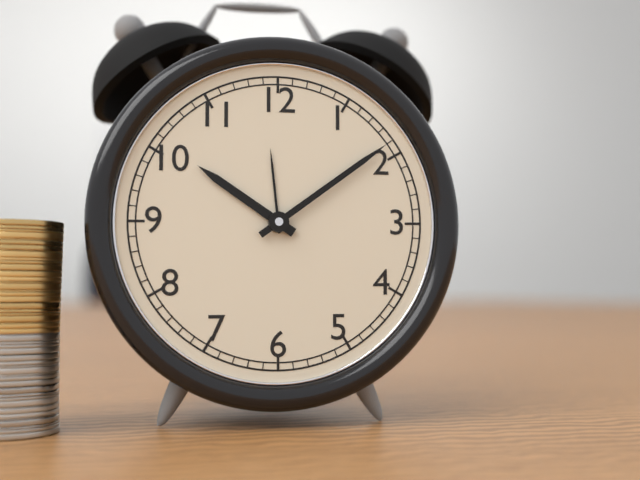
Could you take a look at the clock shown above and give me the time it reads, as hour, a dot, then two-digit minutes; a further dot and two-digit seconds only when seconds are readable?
10.09
